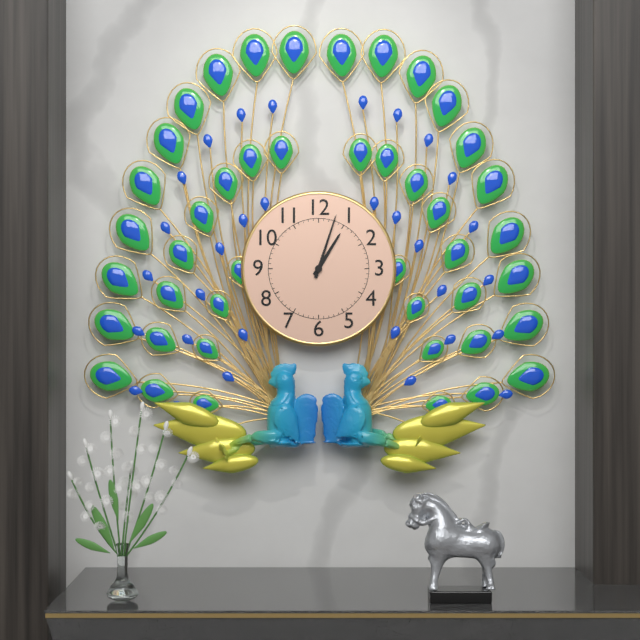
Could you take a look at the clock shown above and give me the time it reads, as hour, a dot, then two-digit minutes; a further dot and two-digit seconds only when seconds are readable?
1.03
